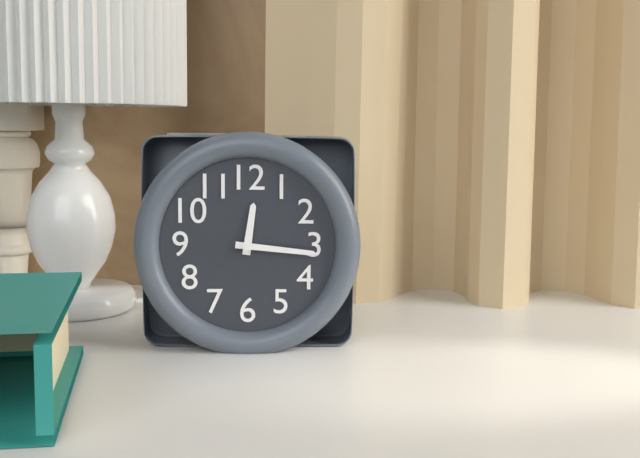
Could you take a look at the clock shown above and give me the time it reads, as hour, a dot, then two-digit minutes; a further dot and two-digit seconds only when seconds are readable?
12.16
